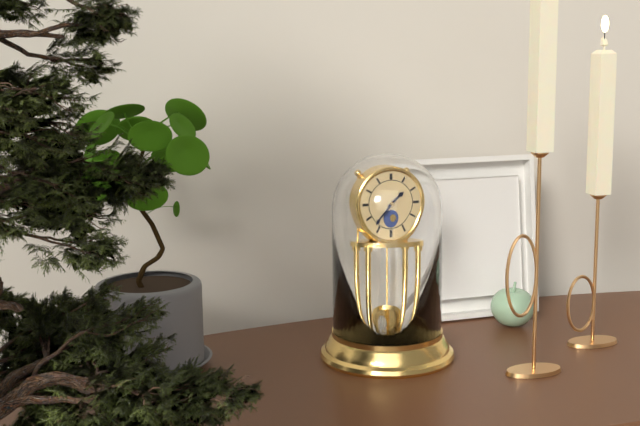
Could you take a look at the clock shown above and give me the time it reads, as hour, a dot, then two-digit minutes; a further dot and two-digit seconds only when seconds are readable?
1.37
